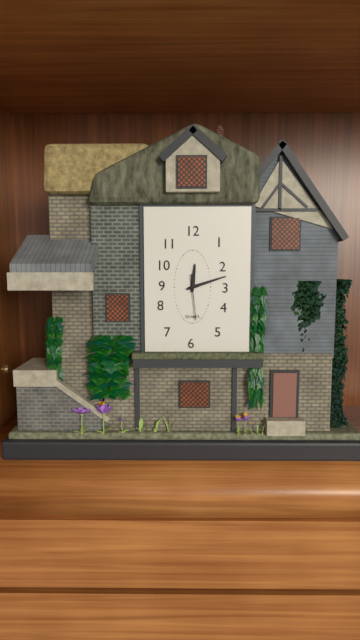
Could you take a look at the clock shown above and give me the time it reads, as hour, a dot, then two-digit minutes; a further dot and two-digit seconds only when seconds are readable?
12.12
